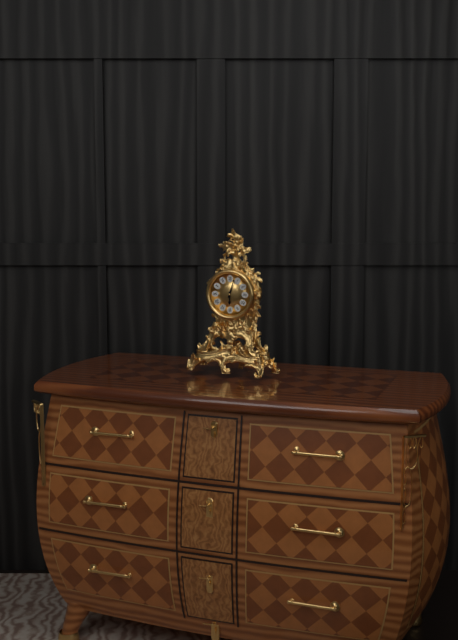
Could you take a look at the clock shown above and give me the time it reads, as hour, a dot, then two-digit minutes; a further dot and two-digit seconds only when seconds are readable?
6.03
